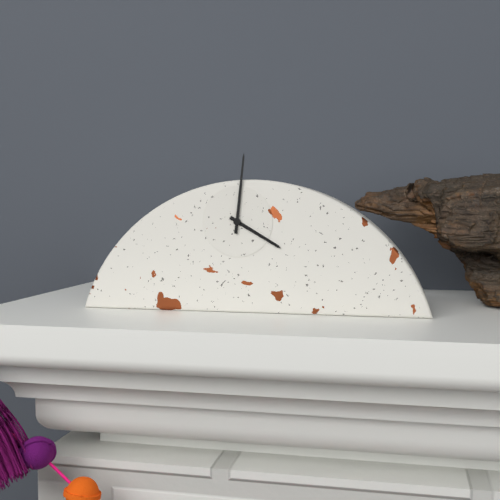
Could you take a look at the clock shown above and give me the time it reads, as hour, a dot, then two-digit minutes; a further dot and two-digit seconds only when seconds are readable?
4.01
